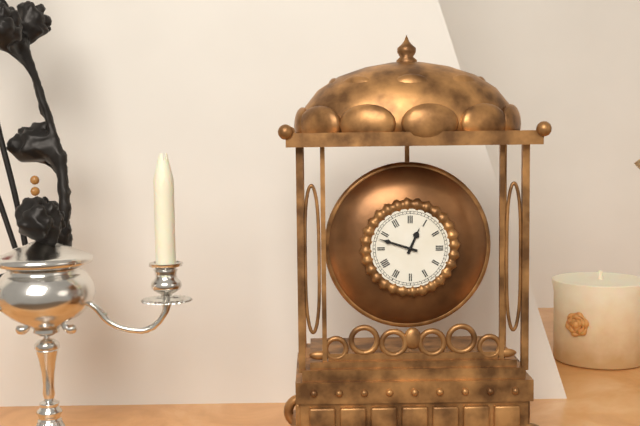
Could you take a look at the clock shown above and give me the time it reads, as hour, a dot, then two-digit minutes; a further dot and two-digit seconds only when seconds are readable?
12.48
